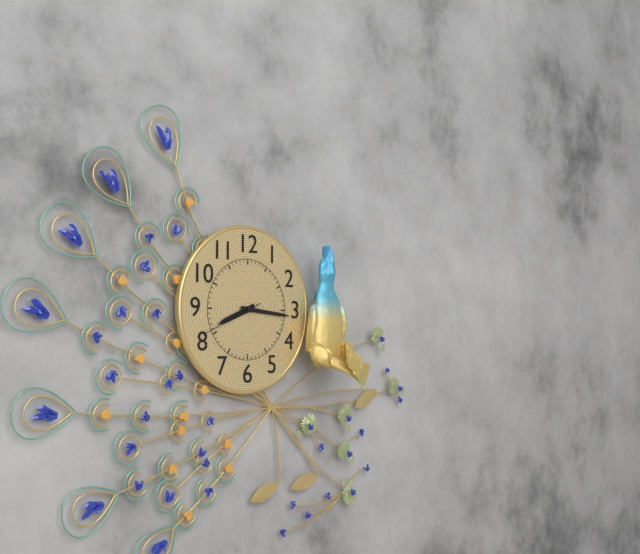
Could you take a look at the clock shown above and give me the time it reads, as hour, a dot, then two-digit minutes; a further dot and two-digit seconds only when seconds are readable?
8.16.41
